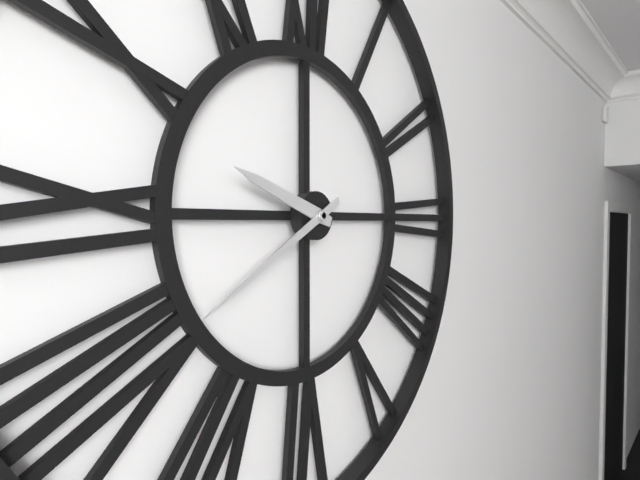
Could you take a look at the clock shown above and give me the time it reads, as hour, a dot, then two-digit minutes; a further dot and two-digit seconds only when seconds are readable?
9.40
